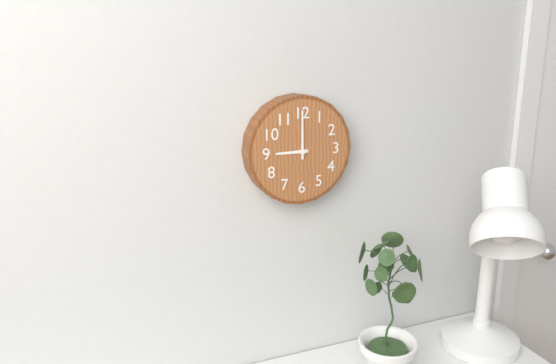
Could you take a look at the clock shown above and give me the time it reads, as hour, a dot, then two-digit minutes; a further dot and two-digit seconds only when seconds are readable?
9.00
